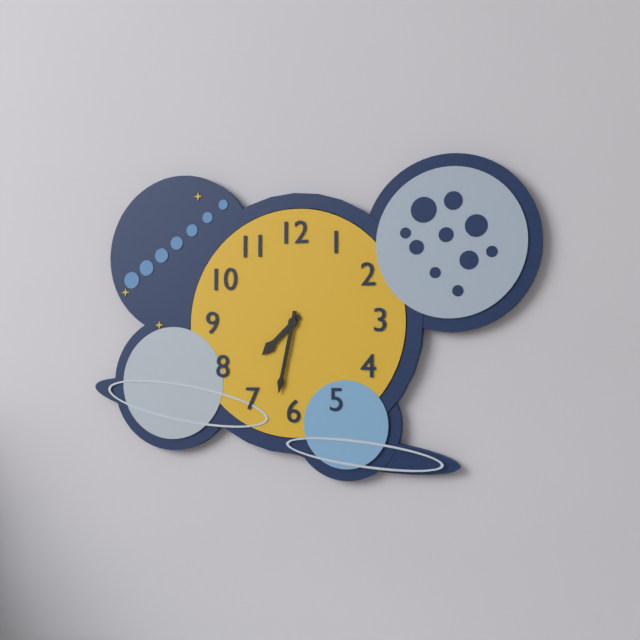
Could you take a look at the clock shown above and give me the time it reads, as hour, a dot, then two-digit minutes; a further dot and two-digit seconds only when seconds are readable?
7.32
